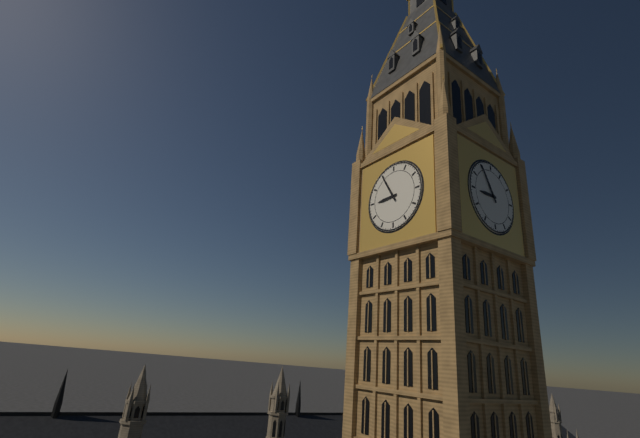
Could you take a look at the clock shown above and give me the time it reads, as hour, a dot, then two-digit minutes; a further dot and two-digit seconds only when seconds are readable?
8.55
